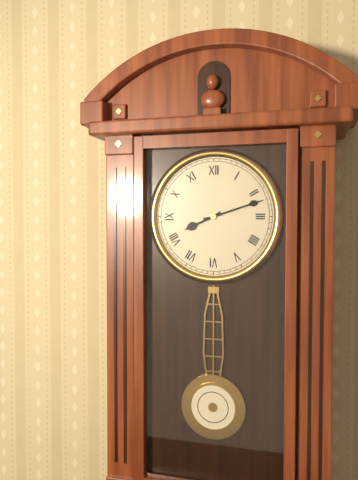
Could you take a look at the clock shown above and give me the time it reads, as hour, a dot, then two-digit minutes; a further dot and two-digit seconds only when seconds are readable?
8.12
